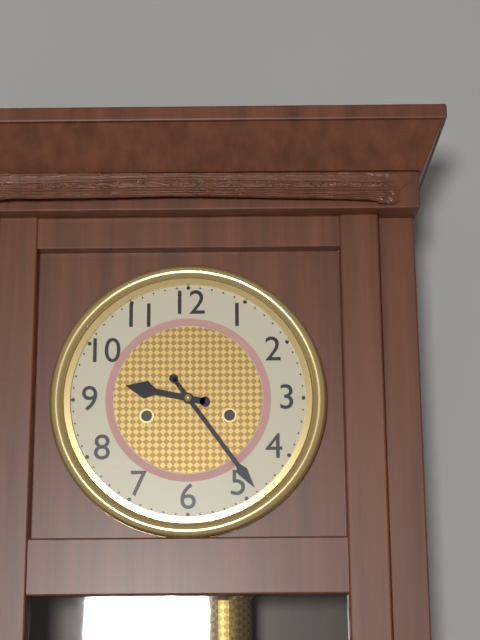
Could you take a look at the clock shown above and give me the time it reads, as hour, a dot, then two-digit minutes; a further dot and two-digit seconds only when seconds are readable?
9.24
